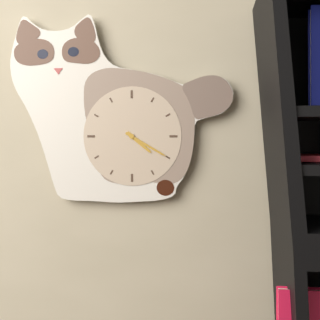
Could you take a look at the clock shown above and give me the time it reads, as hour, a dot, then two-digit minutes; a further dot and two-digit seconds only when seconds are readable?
4.20
